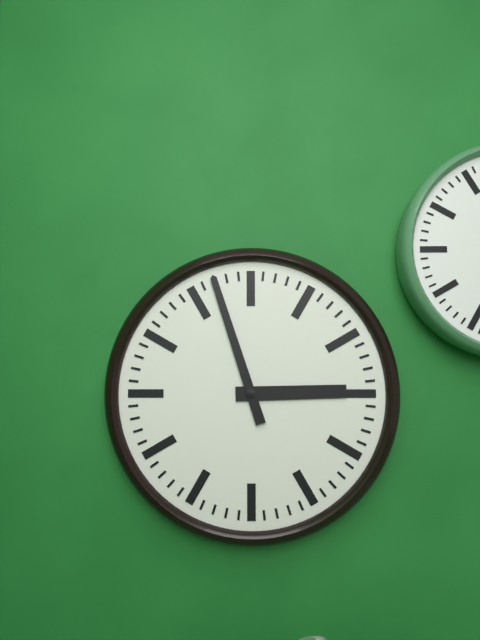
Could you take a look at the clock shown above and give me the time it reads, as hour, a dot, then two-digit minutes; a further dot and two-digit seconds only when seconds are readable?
2.57
